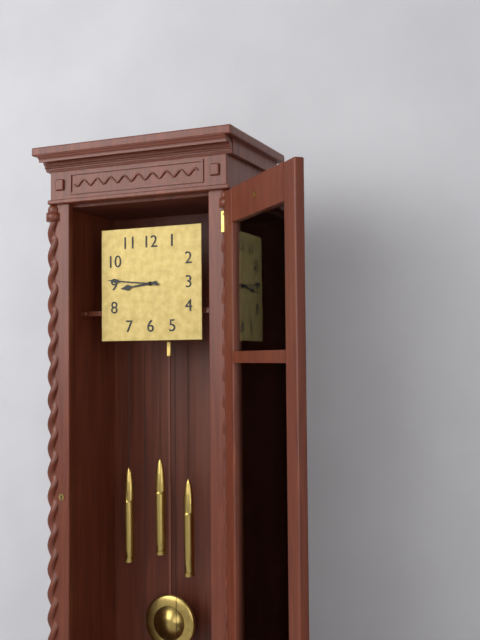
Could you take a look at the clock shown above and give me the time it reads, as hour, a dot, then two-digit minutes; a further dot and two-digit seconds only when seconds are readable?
8.46
